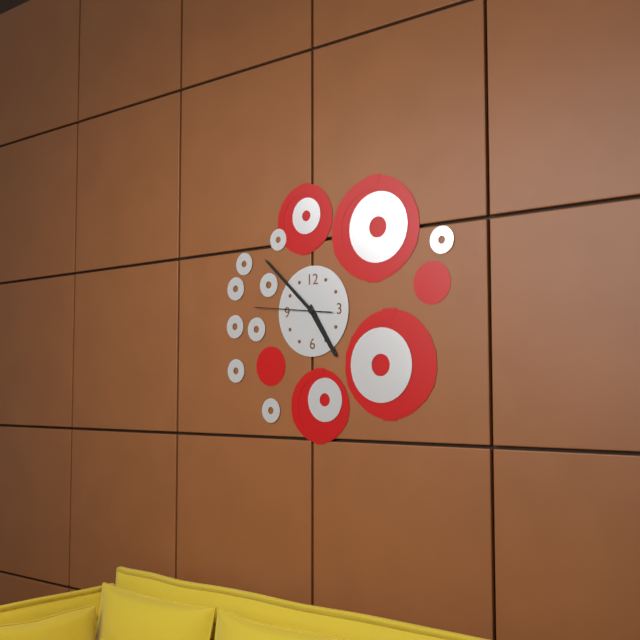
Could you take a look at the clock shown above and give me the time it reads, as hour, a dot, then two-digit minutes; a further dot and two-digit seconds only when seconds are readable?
4.52.46
